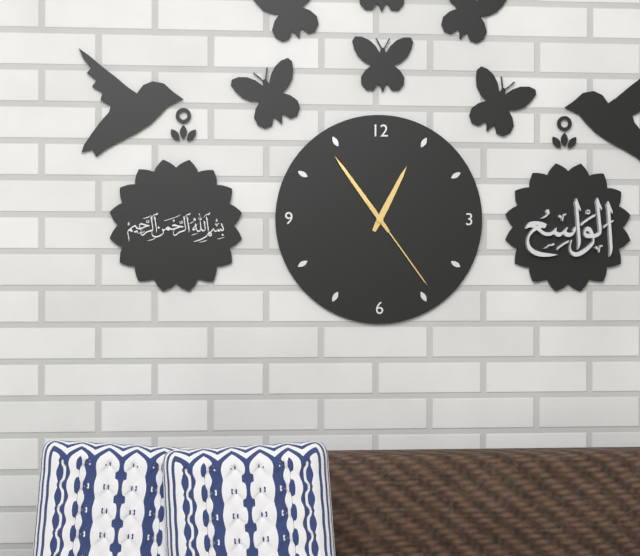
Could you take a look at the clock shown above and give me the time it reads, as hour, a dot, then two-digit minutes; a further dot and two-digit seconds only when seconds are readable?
12.54.24
